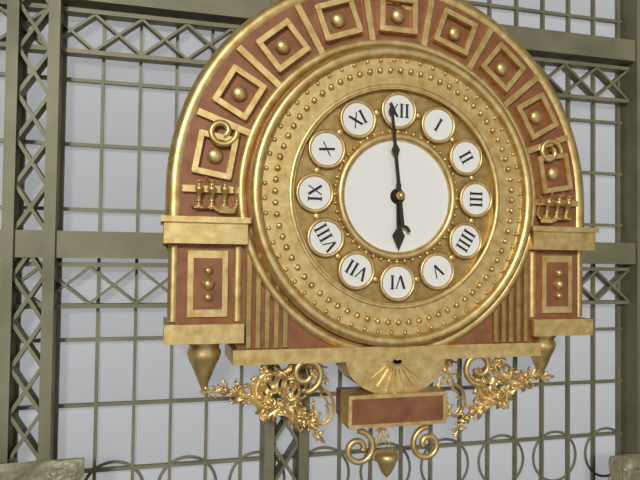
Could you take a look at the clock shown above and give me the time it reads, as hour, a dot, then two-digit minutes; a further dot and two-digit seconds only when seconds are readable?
5.59
